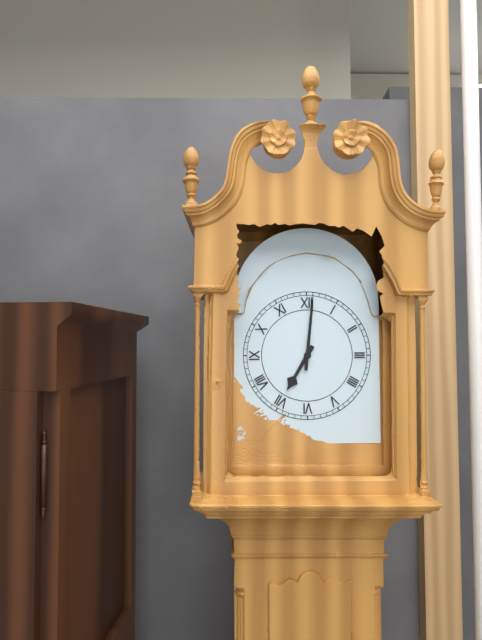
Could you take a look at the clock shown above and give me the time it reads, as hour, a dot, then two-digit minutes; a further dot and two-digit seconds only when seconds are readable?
7.01
